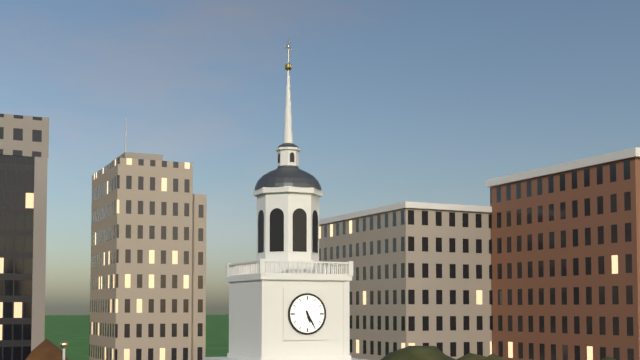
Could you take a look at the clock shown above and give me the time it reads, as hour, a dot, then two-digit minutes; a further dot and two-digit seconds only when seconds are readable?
5.25
